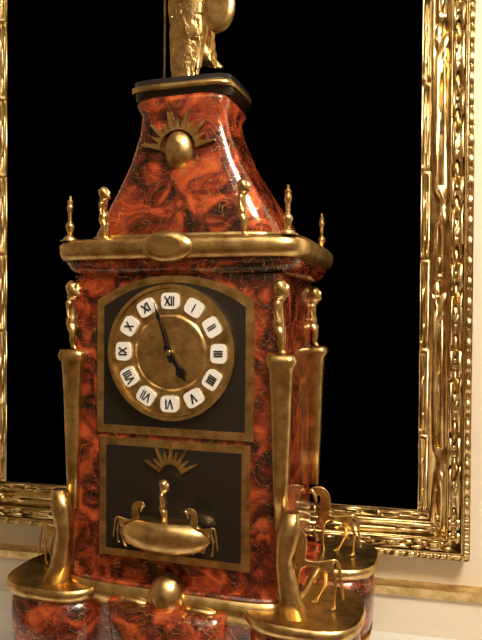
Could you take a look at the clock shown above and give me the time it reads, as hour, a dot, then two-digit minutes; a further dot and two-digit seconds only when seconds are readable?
4.57
